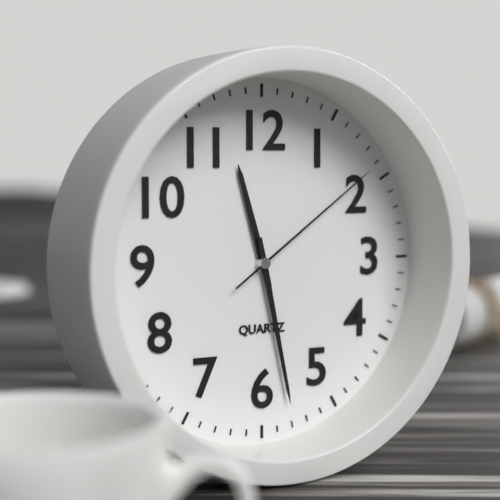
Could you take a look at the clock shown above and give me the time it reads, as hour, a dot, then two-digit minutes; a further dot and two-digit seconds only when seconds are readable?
11.28.09
